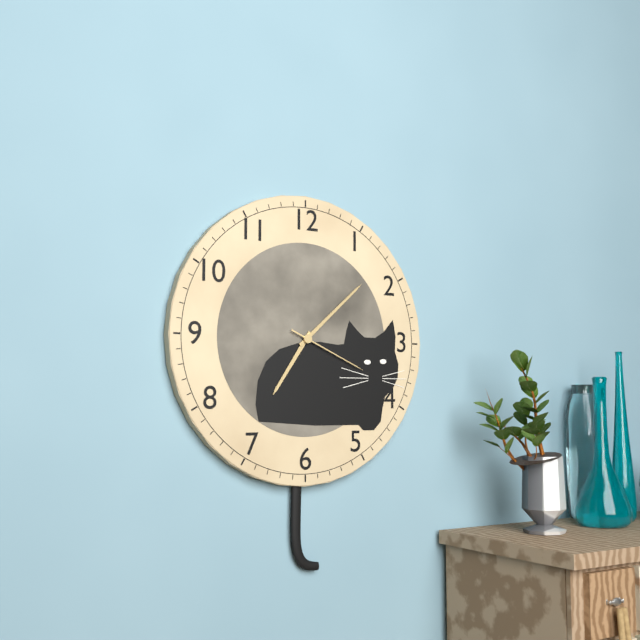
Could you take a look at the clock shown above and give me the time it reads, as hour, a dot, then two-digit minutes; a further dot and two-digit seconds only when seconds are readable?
7.08.19
